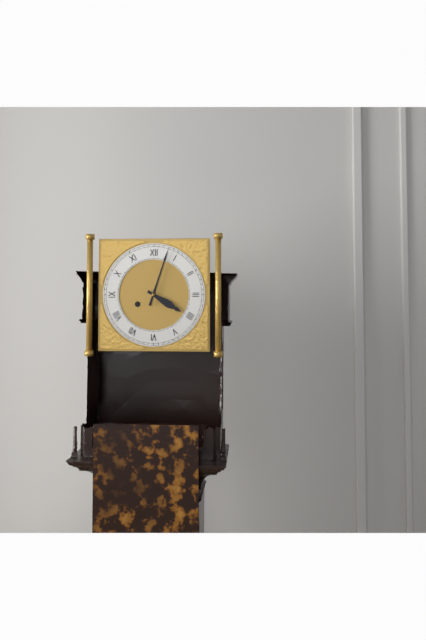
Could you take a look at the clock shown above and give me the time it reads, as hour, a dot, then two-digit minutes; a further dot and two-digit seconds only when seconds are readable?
4.03
